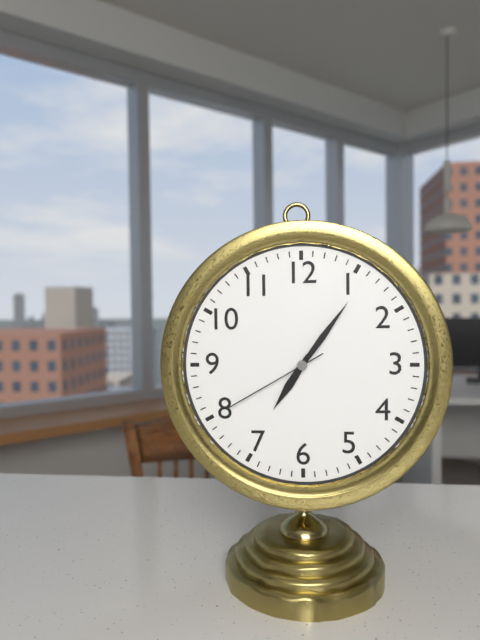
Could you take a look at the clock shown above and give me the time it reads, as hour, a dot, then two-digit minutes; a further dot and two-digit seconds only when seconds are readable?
7.06.40
